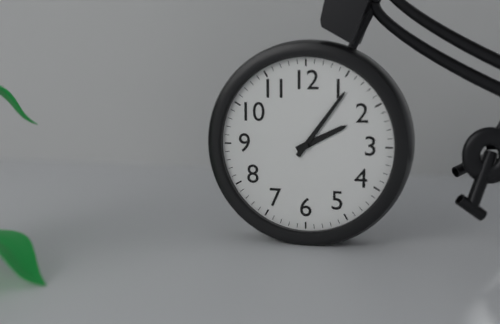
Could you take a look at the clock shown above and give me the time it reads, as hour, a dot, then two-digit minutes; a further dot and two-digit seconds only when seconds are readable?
2.06
